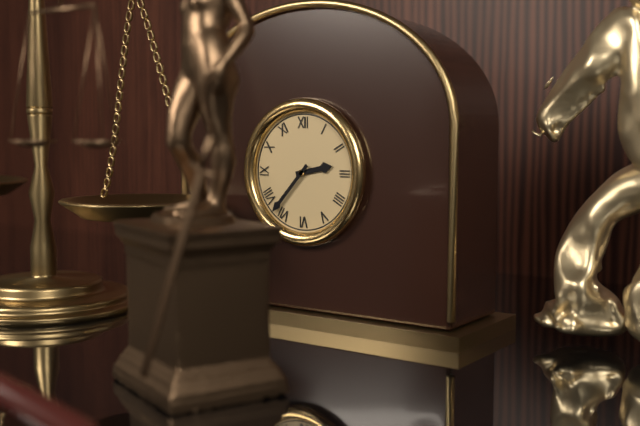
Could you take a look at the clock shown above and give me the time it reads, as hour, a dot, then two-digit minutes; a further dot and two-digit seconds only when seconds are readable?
2.37
